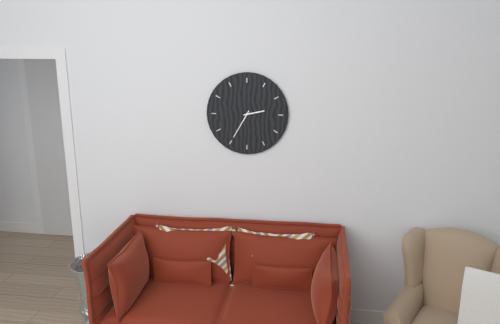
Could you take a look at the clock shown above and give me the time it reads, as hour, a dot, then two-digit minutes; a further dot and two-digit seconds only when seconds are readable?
2.35
